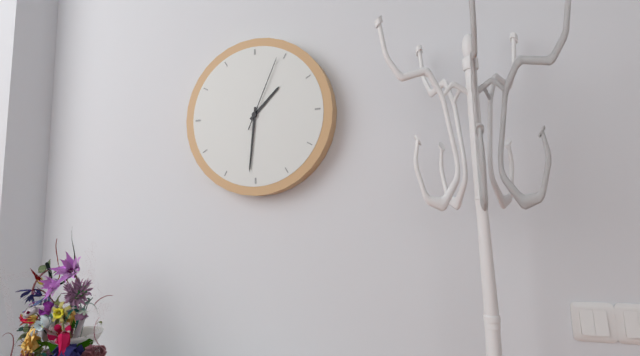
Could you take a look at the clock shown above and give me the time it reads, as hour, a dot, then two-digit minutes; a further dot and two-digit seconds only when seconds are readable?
1.31.04
